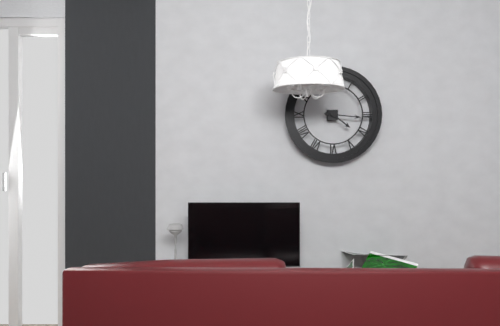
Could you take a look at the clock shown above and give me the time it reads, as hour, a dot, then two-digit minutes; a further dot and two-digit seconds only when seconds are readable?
4.16
